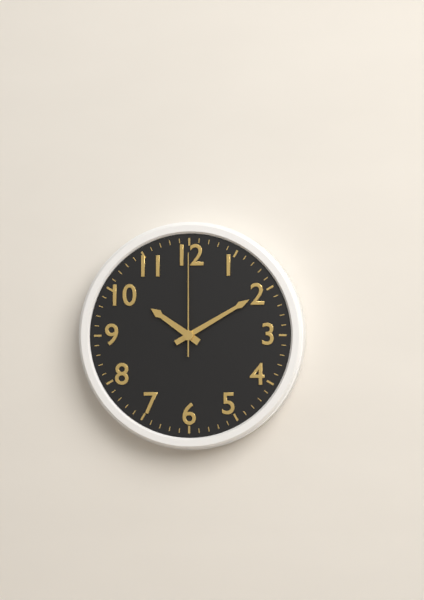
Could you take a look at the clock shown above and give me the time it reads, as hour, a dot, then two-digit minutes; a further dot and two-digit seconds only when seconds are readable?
10.10.00
